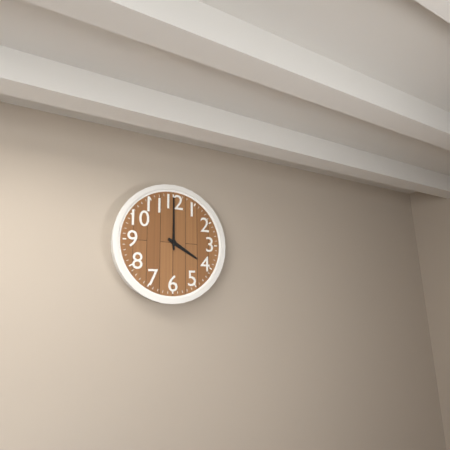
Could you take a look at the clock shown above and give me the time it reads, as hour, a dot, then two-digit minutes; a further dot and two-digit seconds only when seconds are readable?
4.00
